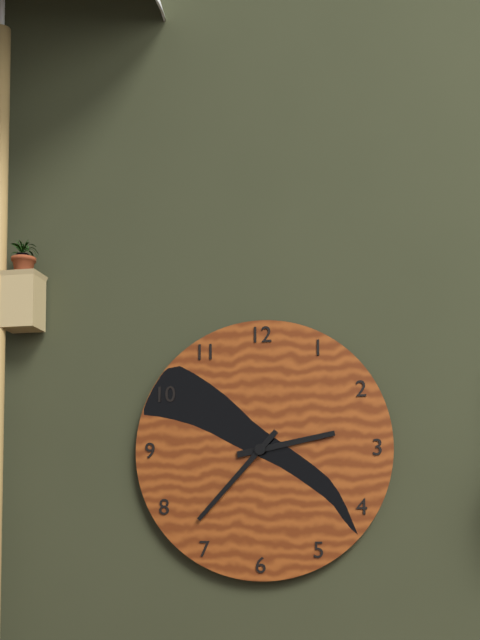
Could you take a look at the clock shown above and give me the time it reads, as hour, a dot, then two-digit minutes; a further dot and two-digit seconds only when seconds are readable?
2.37
